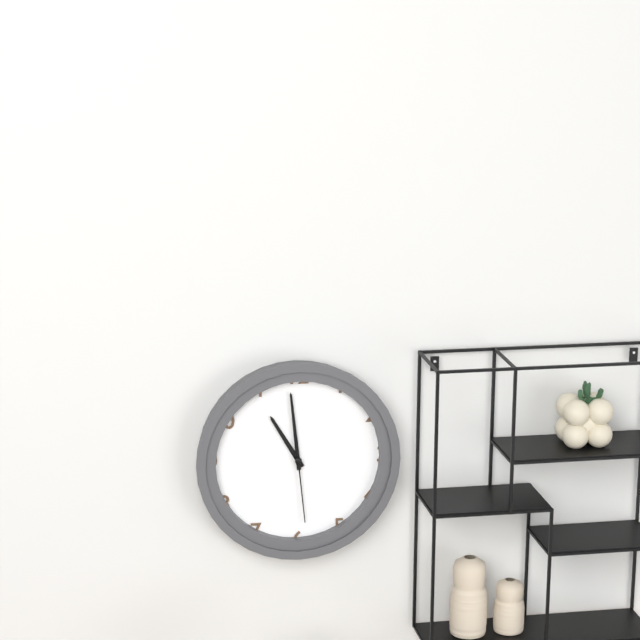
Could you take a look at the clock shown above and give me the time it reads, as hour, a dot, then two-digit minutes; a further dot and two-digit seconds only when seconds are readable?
10.59.29
